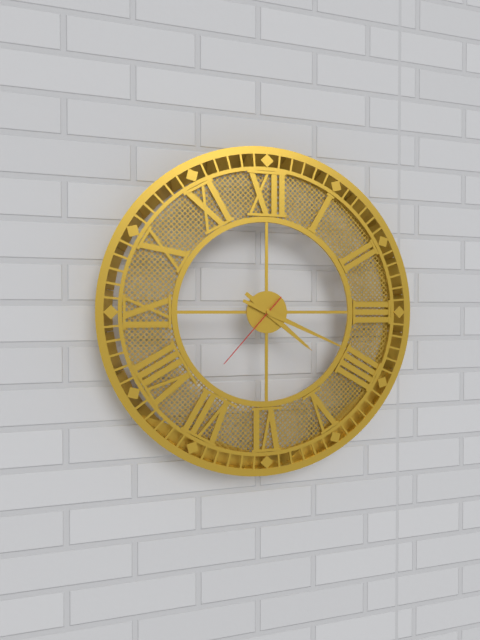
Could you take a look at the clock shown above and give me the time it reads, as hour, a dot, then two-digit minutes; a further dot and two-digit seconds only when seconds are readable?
4.19.37
